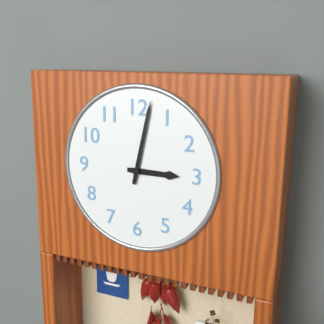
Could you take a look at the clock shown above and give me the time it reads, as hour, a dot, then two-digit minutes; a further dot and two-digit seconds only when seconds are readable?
3.02
